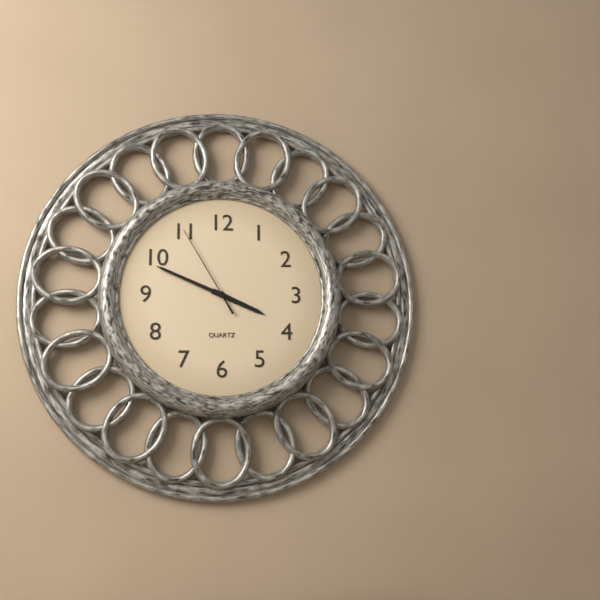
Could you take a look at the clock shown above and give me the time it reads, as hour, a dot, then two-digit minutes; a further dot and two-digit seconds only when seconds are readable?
3.49.55
